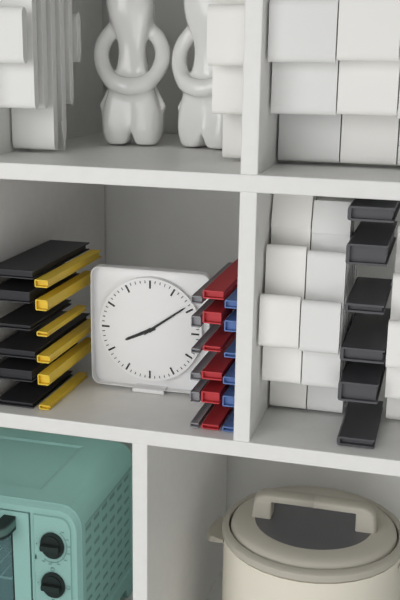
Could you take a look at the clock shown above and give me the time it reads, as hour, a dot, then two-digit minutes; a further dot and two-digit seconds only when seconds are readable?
8.09
